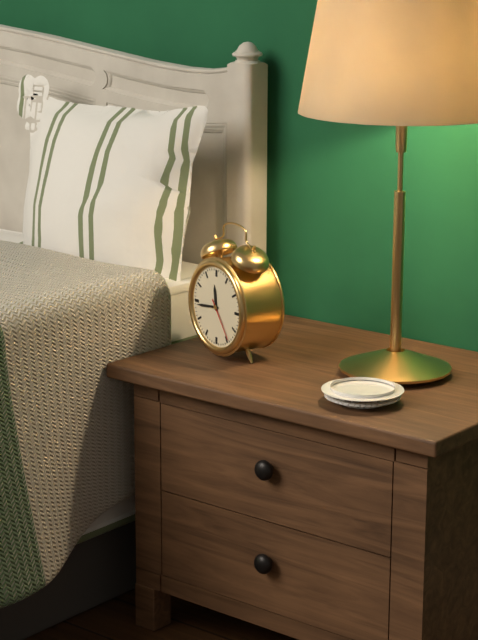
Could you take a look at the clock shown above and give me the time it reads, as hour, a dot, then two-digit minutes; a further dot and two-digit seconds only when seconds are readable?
11.44
